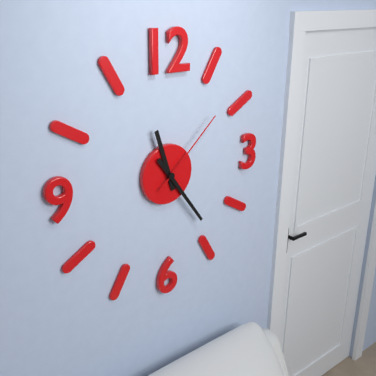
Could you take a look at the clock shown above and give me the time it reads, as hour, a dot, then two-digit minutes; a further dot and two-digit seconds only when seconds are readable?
11.24.08
